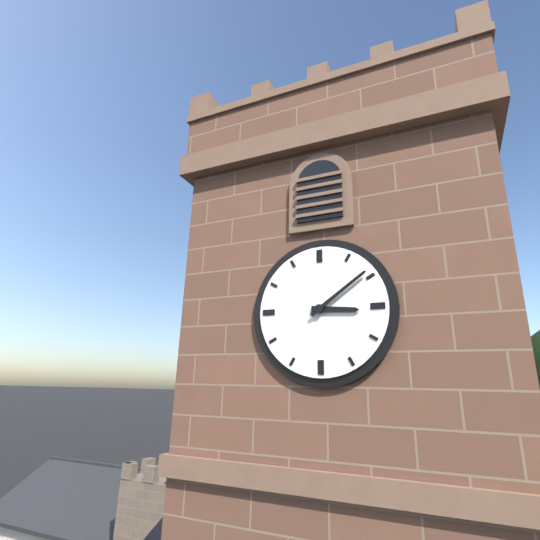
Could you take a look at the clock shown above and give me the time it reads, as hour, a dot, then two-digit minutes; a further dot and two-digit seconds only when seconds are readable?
3.09
